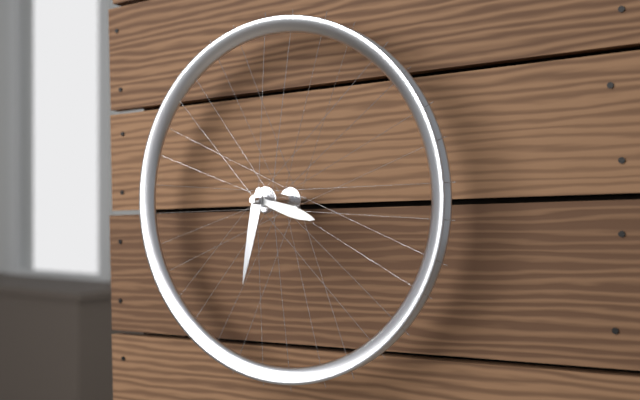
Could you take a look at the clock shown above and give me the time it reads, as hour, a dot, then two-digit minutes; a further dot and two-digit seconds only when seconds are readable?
3.32
